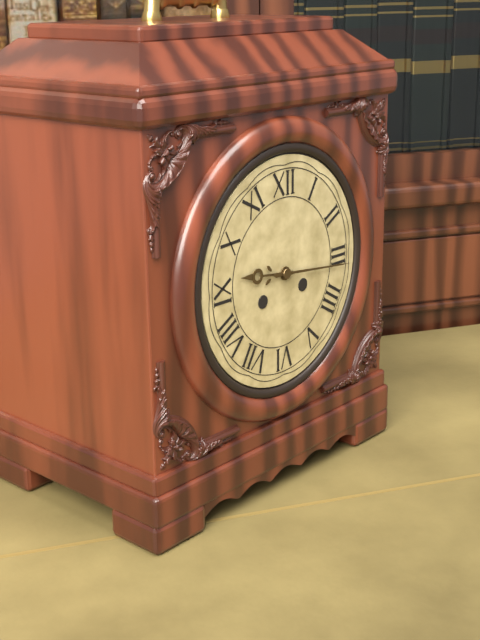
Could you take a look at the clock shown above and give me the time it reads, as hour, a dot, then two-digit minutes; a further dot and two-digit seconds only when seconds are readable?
9.16
